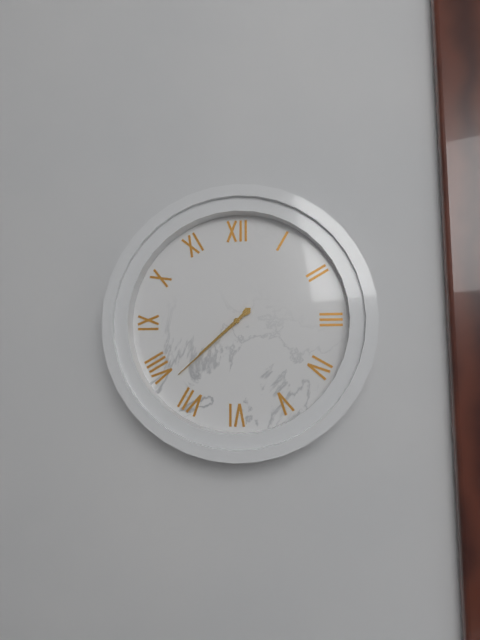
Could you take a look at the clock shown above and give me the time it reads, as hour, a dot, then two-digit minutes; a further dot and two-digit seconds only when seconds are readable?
7.38
